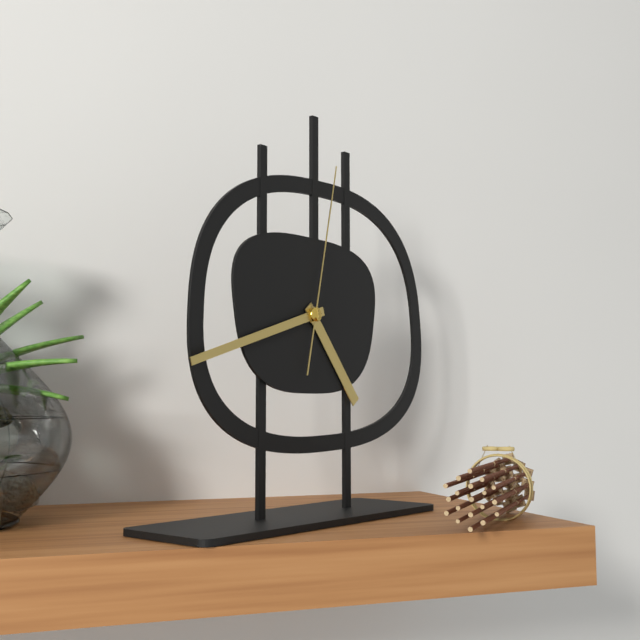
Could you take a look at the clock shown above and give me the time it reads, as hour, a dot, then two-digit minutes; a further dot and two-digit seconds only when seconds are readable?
4.42.02
